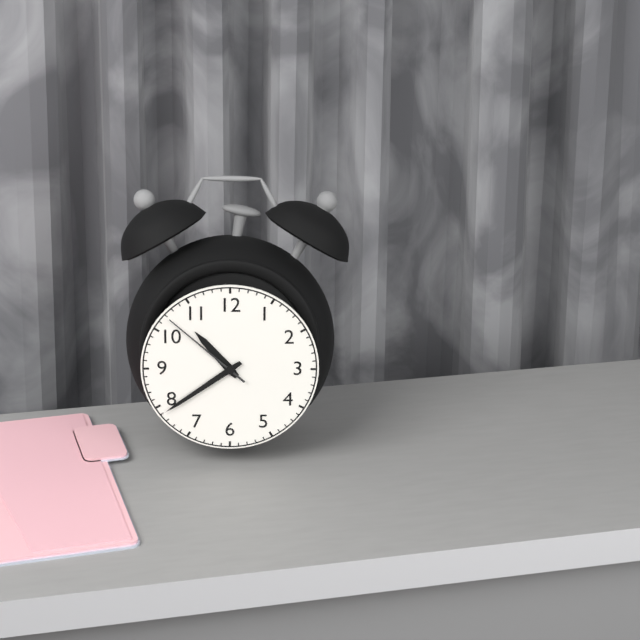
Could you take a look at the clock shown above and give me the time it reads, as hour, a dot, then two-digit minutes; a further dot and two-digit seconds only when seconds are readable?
10.39.52
